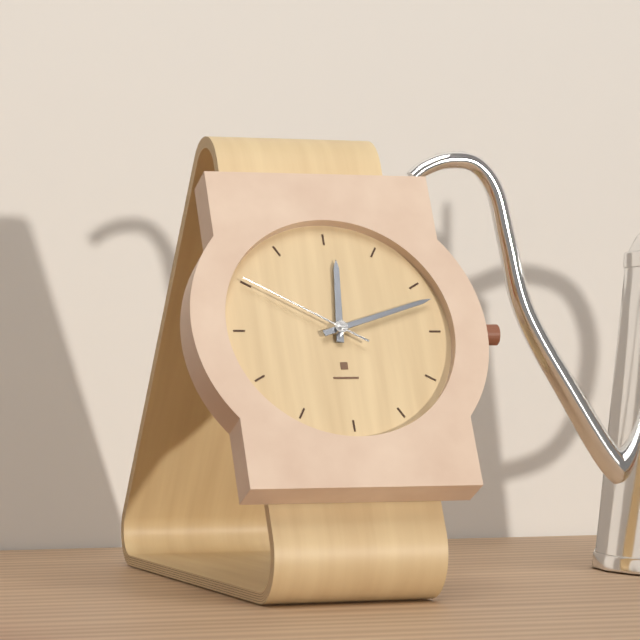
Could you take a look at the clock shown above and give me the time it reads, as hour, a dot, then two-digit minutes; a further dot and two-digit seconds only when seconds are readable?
12.12.50
